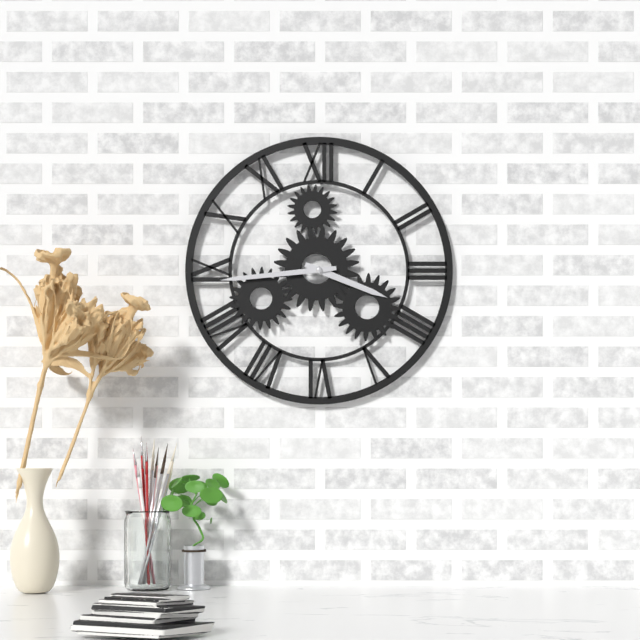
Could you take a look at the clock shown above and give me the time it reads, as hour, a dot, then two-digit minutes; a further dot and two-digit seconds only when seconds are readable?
3.44
